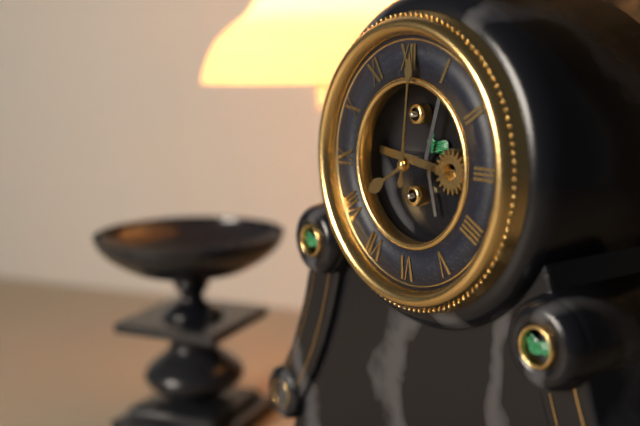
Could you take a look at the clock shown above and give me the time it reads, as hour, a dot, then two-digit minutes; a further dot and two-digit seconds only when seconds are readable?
8.01
